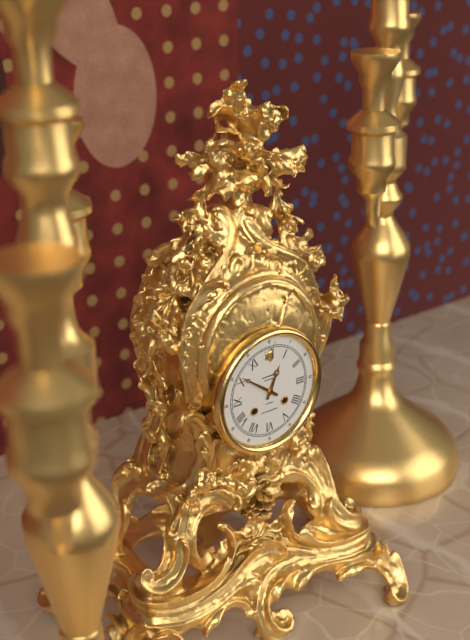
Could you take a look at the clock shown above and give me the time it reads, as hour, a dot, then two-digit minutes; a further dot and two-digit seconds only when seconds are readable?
12.51
